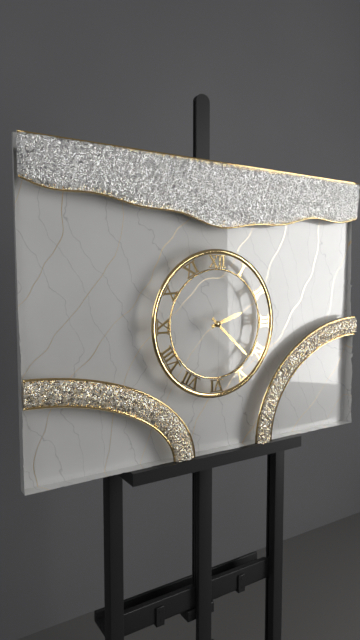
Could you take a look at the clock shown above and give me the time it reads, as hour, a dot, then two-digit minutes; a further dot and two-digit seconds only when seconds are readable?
2.22
